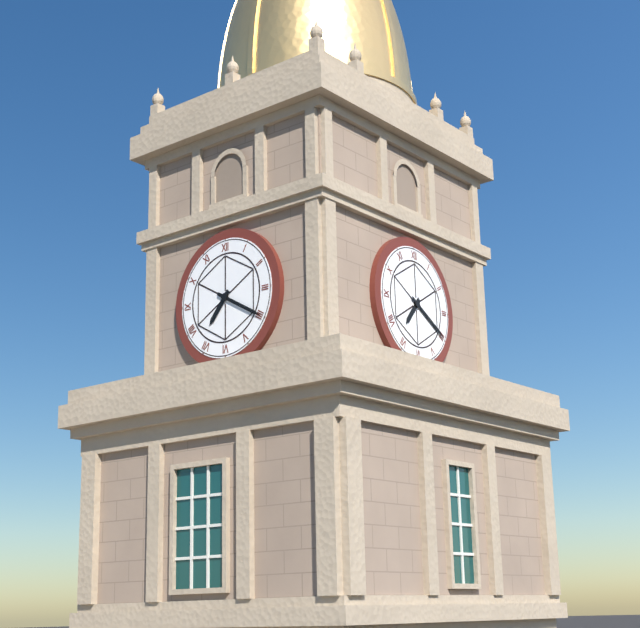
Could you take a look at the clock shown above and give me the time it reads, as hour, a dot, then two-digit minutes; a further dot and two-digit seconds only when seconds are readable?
7.20
